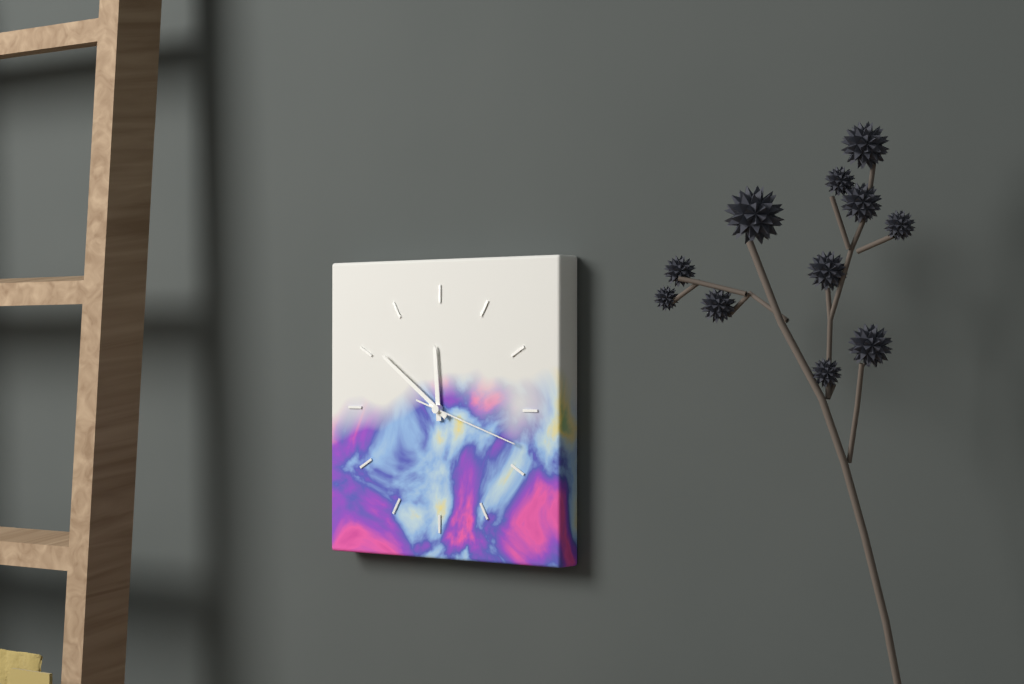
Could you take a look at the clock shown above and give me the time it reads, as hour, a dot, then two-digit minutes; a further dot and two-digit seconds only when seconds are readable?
11.51.18
